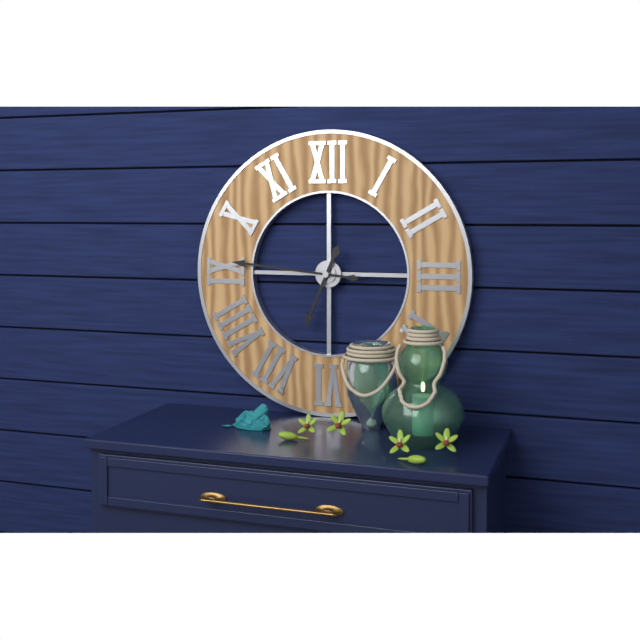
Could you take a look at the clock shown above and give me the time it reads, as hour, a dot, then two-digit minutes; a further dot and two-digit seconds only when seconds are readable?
6.46
